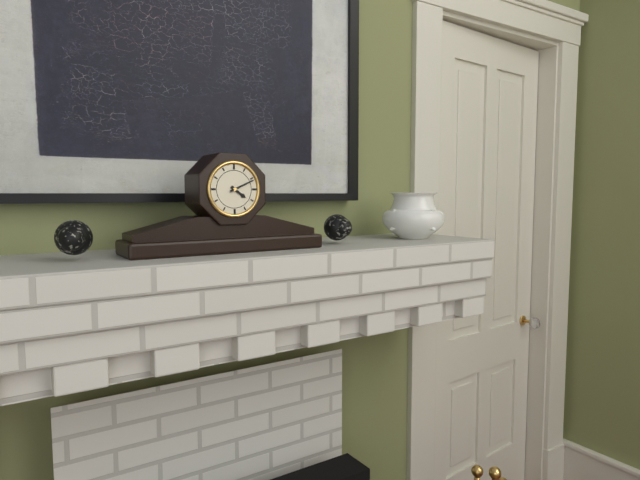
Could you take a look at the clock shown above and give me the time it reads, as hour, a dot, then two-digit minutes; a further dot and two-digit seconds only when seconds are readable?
4.11
